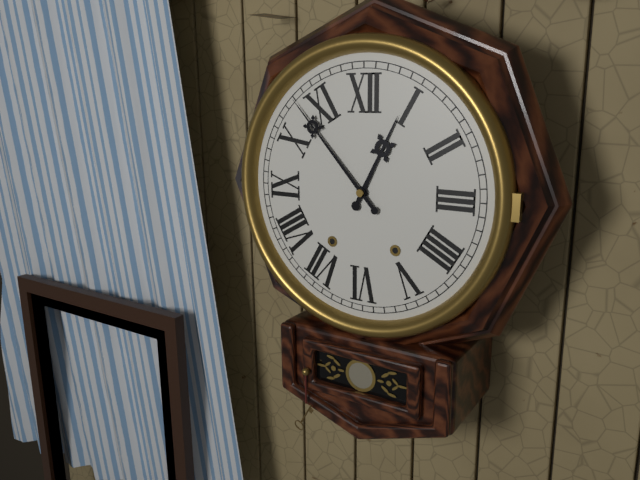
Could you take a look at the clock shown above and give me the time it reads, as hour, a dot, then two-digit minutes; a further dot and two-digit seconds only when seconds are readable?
12.53
